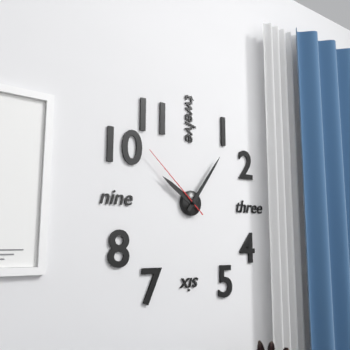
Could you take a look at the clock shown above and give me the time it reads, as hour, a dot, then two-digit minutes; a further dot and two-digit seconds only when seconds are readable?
10.06.52
